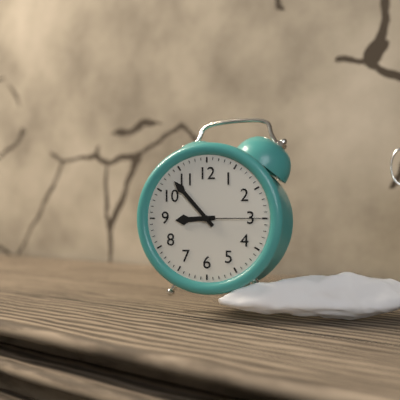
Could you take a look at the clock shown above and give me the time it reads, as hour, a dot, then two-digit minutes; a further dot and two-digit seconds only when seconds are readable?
8.53.15
